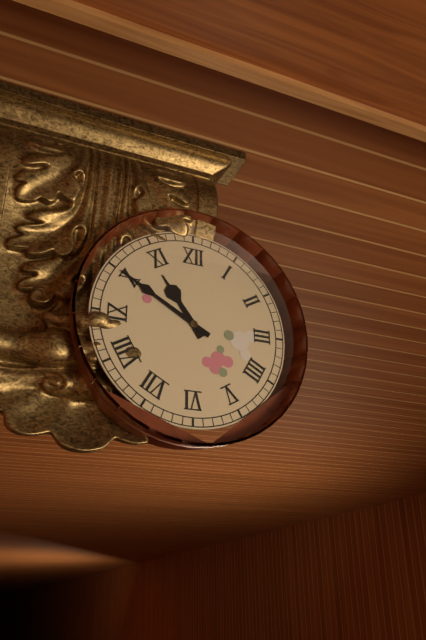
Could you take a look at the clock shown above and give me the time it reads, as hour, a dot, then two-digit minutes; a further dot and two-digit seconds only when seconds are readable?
10.50
